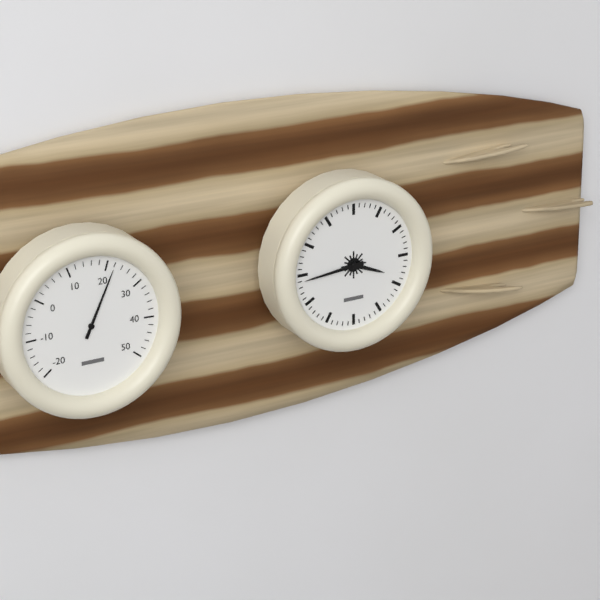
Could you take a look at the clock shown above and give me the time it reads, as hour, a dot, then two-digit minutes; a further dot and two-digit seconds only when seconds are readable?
3.44
